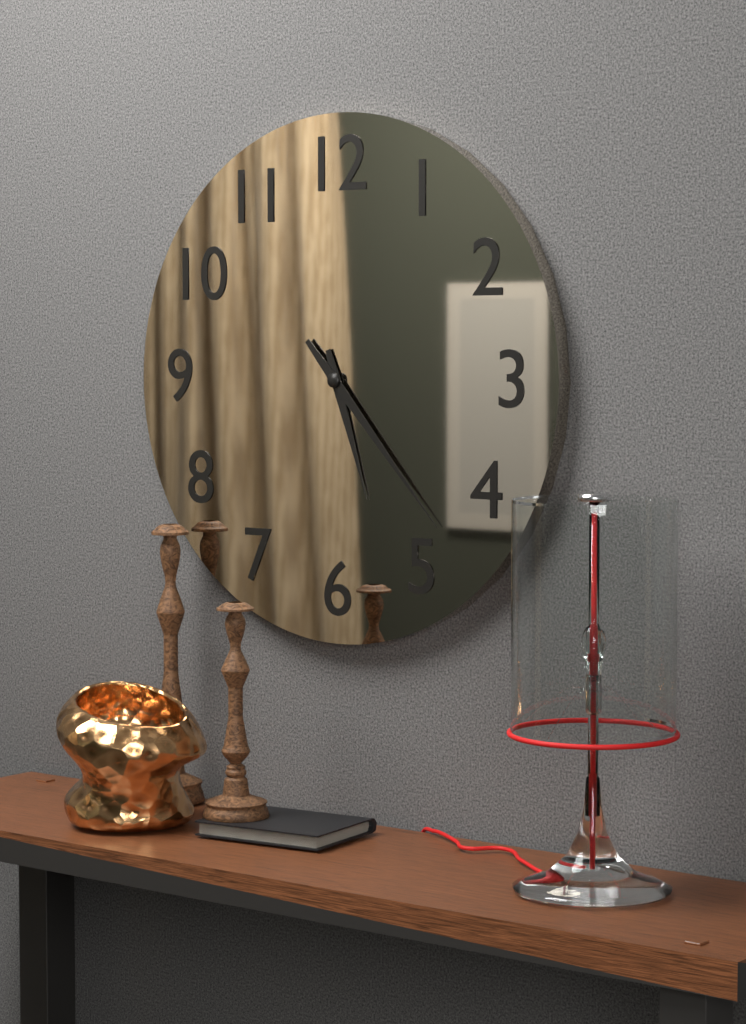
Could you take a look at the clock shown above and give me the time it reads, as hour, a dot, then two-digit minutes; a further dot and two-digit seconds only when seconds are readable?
5.23
